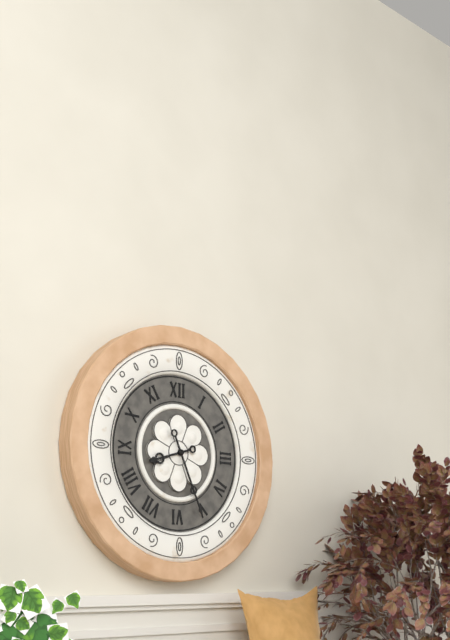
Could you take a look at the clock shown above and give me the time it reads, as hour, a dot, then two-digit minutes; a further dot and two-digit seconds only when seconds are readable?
8.26
